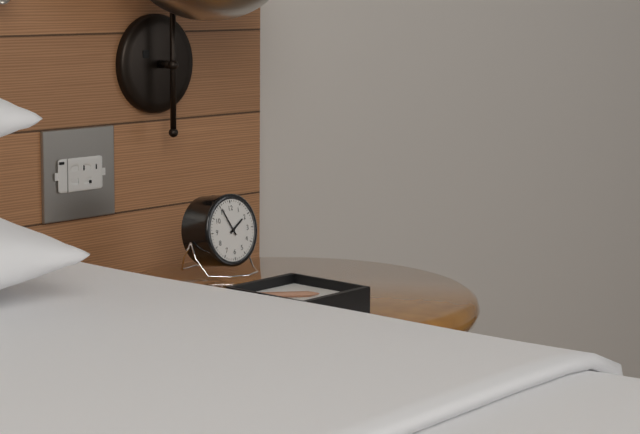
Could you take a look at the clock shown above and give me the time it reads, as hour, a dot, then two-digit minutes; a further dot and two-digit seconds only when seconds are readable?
1.55
